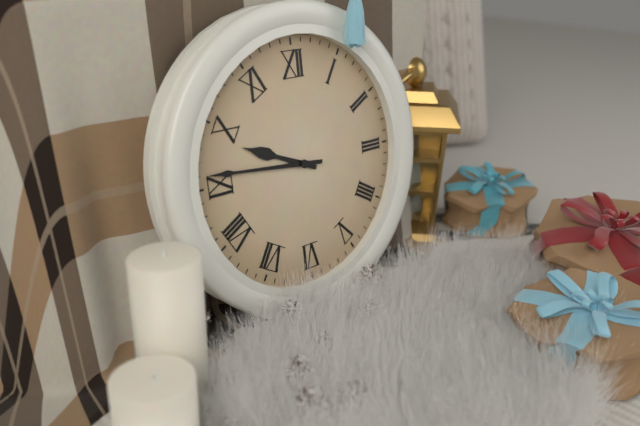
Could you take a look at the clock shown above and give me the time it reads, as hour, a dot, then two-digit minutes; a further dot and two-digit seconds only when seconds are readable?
9.46
